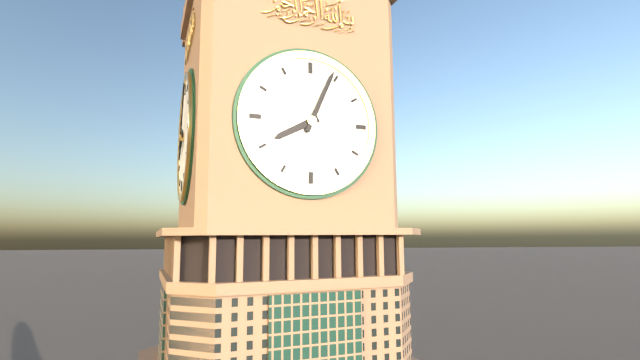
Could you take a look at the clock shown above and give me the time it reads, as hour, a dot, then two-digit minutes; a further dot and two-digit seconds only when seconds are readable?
8.04
